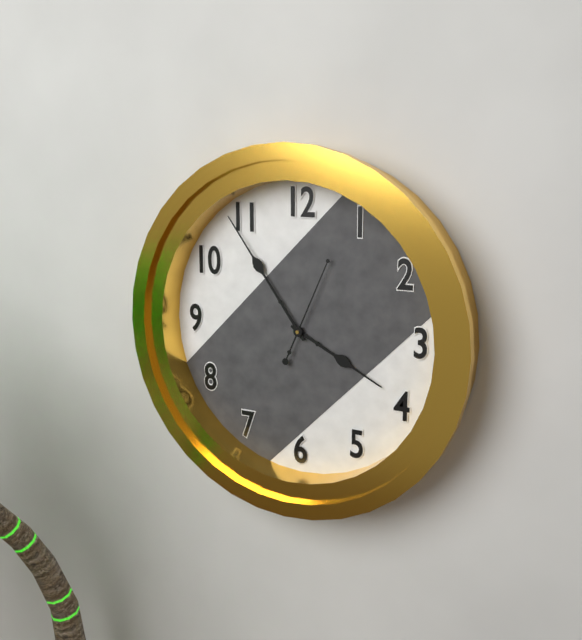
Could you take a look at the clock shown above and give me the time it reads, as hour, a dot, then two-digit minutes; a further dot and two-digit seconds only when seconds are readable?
3.54.04
